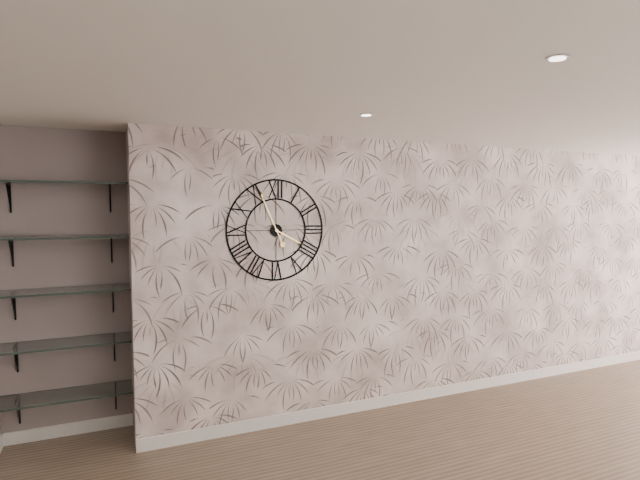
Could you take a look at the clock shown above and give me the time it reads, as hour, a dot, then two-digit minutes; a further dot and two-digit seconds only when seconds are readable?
3.56
